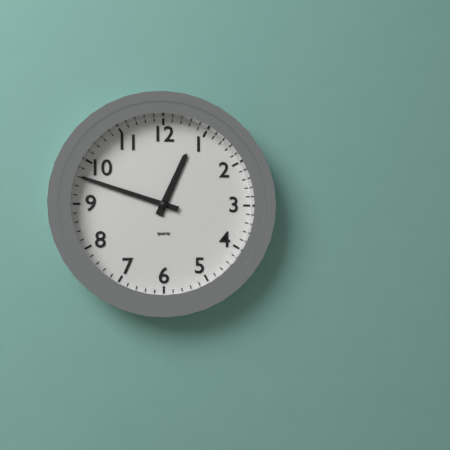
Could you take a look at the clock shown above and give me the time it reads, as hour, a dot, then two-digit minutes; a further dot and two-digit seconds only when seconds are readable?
12.48
